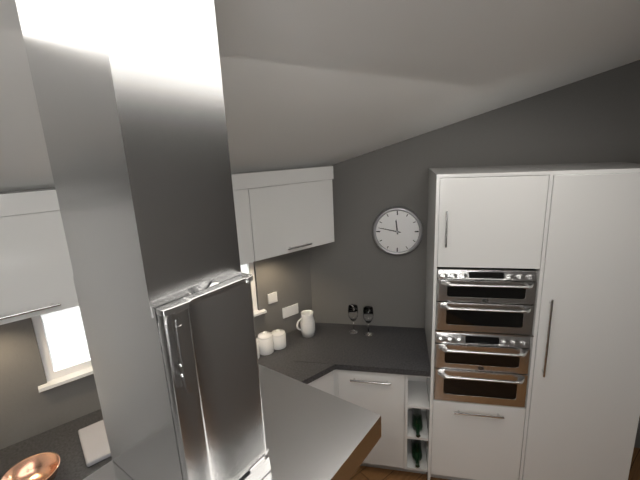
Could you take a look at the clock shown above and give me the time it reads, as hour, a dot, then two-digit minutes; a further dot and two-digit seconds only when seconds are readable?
11.47
